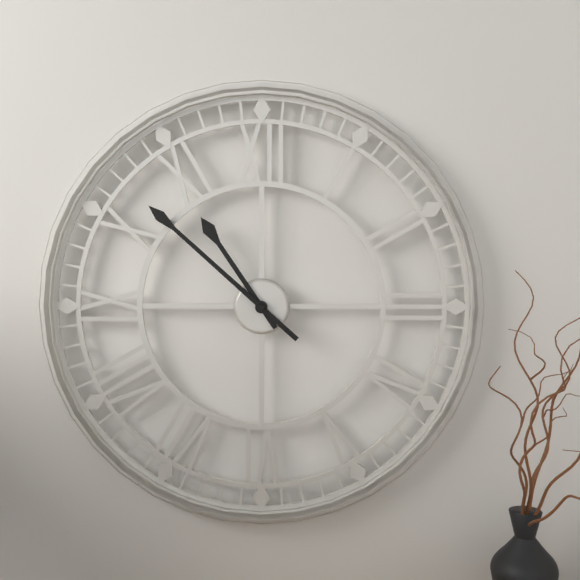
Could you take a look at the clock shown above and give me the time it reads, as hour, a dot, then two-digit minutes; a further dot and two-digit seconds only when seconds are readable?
10.52
